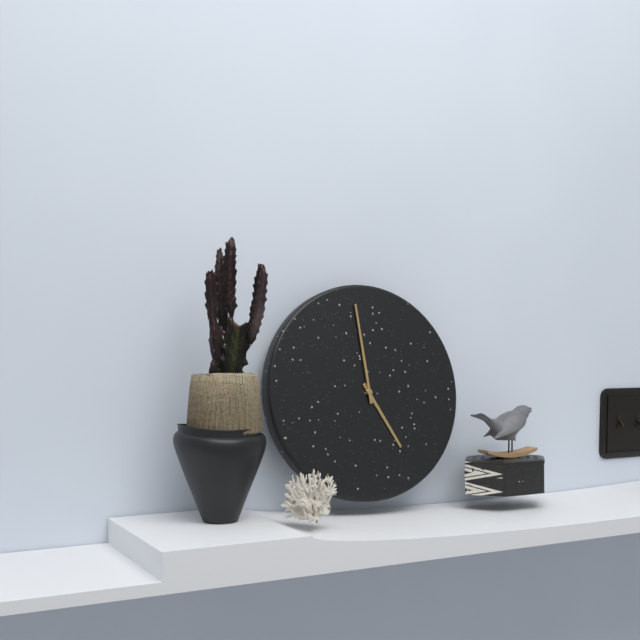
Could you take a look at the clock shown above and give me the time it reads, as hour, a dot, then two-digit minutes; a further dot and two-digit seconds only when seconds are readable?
4.59
